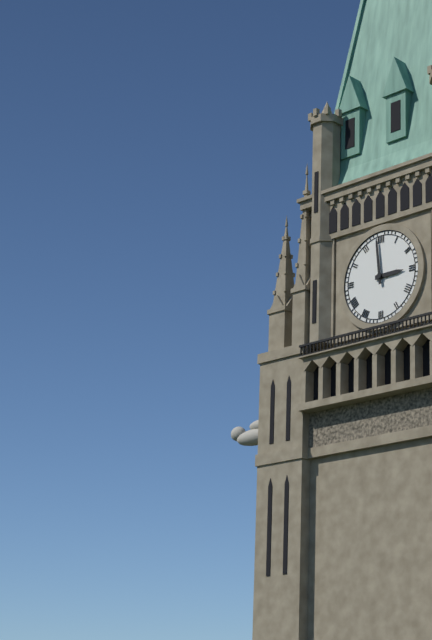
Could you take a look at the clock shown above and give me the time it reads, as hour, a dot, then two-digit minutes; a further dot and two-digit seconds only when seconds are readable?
2.59
